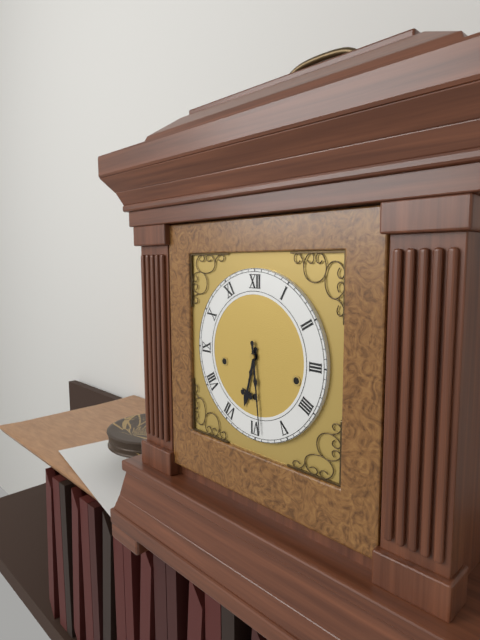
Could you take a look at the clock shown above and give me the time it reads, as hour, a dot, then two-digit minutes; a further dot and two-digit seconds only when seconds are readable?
6.29
